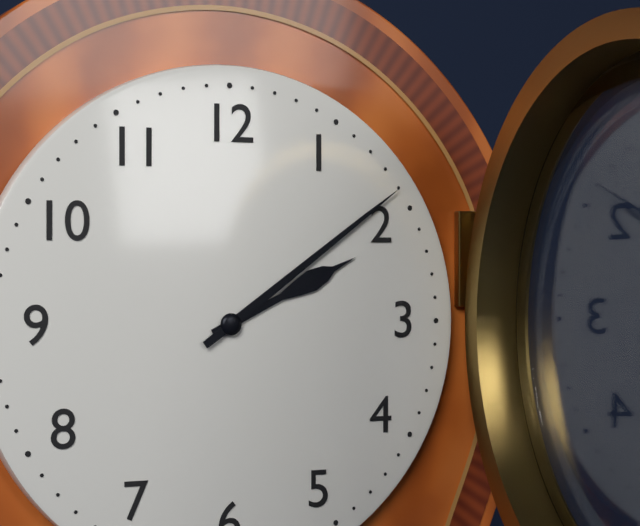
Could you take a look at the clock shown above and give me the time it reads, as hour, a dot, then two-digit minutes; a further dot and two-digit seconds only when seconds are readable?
2.09
